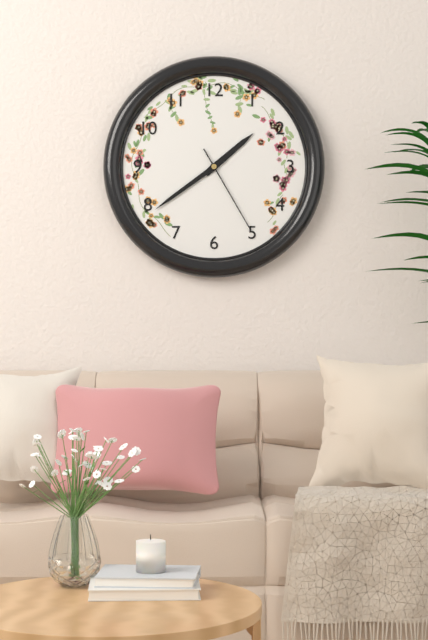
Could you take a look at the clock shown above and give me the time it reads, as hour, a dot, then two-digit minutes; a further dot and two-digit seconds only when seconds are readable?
1.39.25
